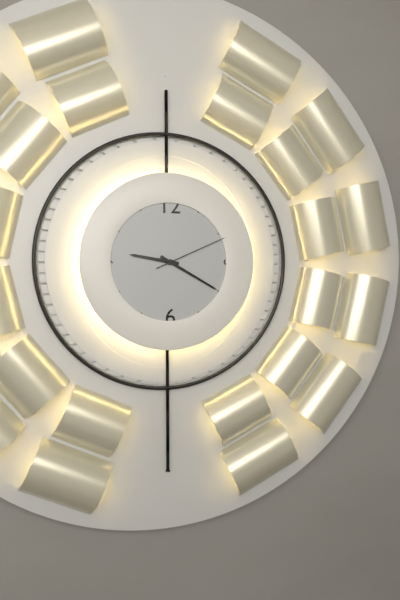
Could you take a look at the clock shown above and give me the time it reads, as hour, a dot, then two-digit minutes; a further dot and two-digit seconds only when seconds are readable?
9.20.11
